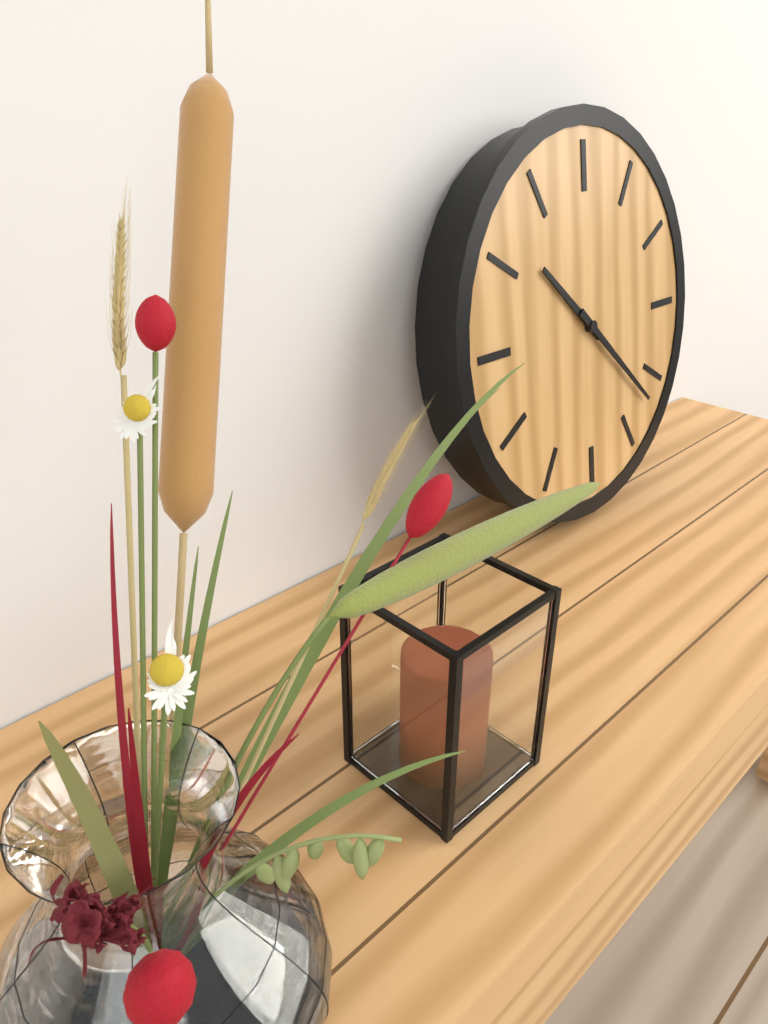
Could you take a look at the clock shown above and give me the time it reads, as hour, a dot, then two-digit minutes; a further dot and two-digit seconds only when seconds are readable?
10.22
